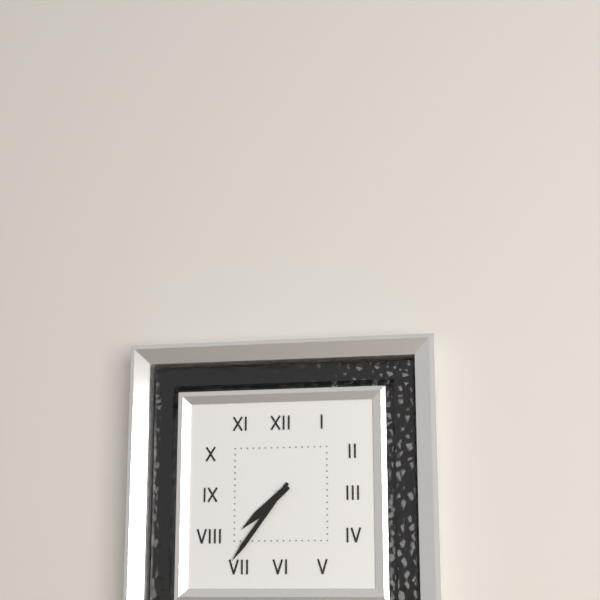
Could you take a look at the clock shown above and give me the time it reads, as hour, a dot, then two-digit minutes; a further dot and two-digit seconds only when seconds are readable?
7.36
